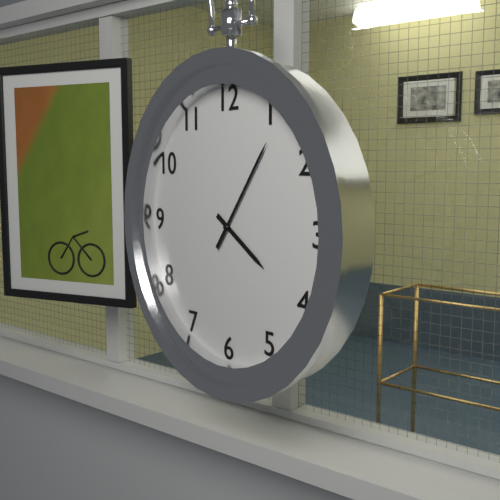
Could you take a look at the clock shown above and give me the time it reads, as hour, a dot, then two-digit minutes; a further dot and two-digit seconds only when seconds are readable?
4.06
